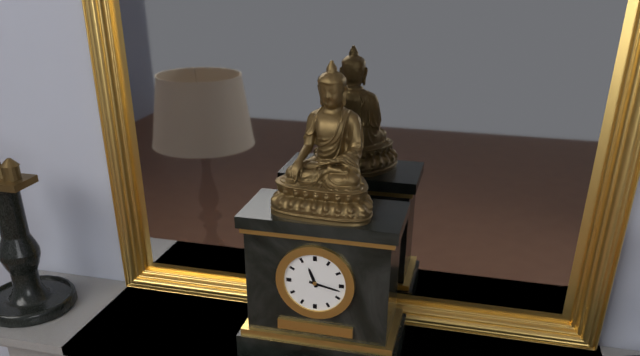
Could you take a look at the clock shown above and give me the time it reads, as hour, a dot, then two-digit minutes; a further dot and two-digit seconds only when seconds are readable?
11.17
